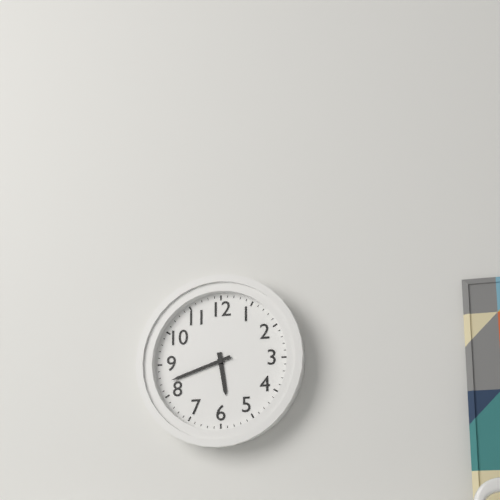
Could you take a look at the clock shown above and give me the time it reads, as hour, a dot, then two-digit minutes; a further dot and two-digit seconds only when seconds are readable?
5.42
